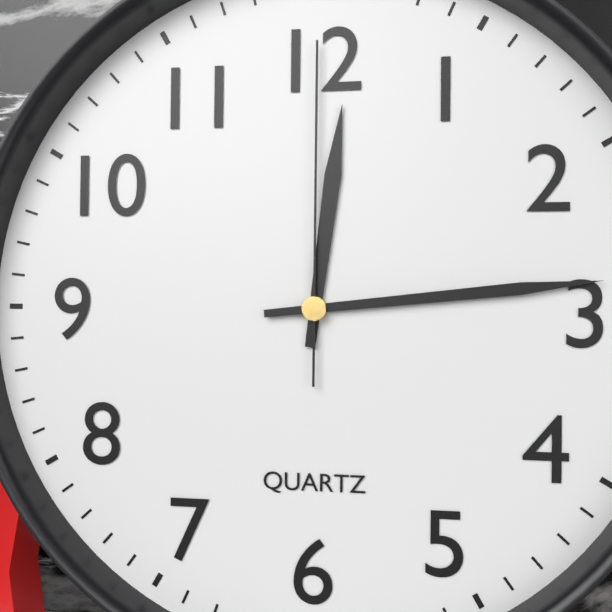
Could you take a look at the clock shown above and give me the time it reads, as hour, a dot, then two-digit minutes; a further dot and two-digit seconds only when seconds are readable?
12.14.00
